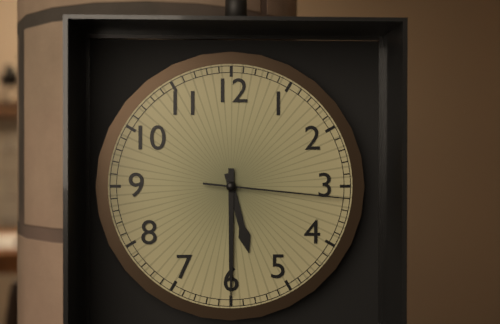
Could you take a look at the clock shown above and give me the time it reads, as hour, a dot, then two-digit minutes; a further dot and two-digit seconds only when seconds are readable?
5.30.16
